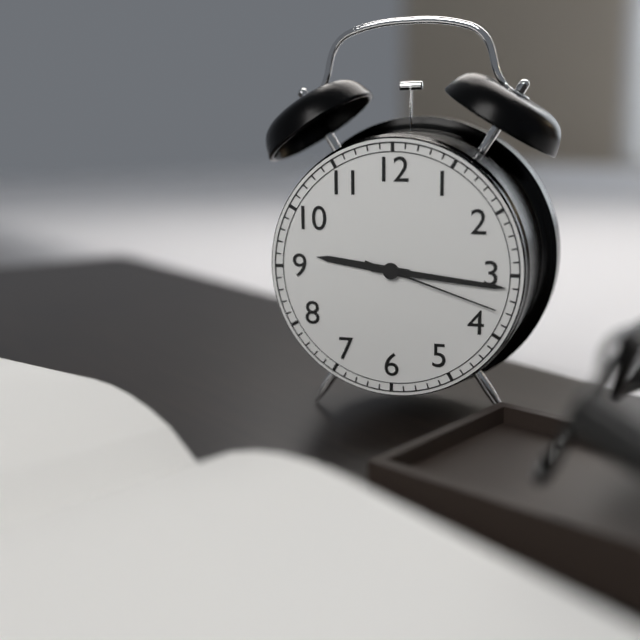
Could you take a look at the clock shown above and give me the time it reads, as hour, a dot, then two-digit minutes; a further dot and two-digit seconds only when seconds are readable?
9.16.18
